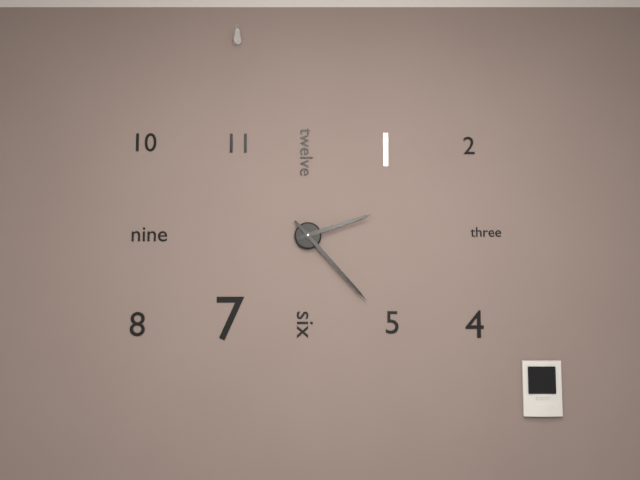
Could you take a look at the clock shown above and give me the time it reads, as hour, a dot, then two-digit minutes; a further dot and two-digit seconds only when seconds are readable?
2.23
